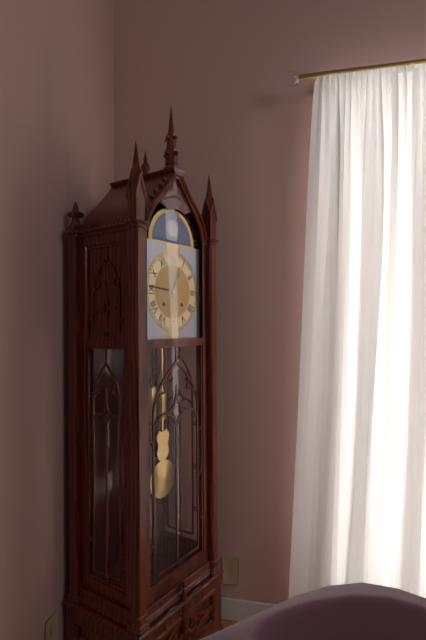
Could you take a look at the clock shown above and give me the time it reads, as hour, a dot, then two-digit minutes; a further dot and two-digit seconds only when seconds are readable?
12.46
